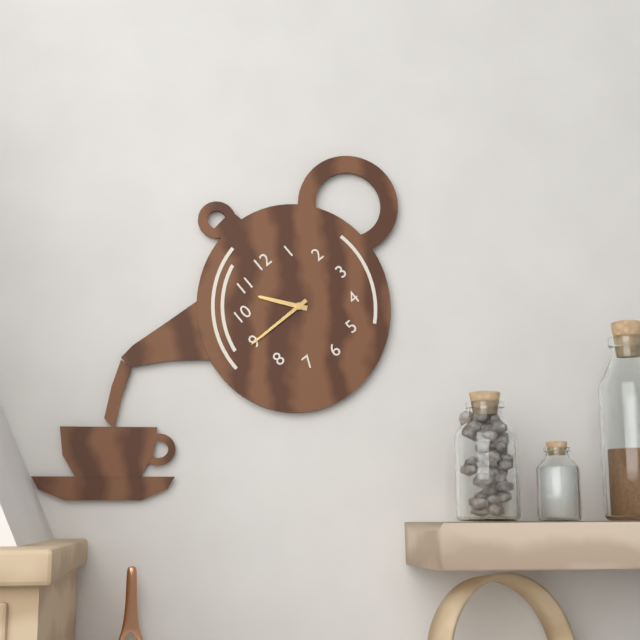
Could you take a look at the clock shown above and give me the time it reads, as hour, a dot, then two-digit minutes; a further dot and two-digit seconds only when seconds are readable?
10.45
